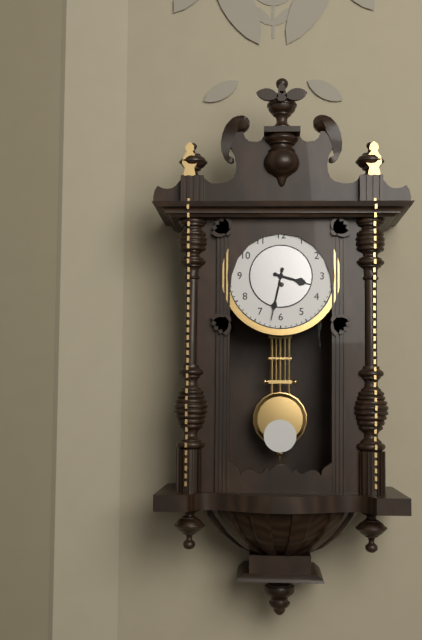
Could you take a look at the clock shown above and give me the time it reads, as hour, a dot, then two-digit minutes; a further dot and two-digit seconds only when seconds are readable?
3.32
